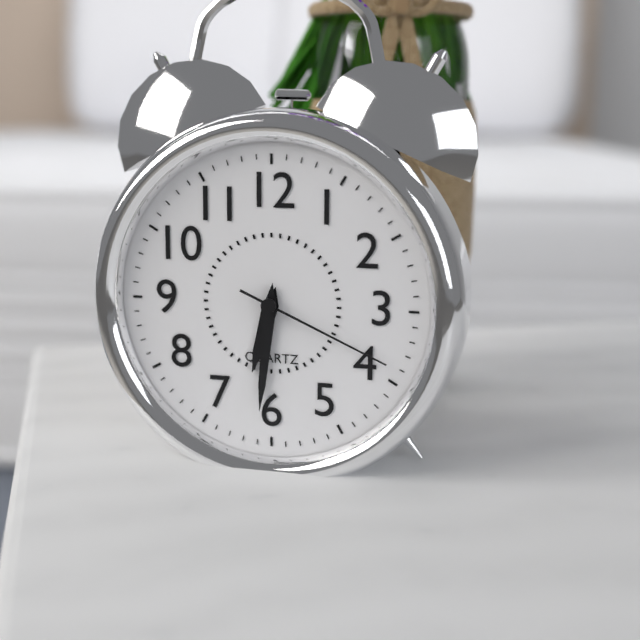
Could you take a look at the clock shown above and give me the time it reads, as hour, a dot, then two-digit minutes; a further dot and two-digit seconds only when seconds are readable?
6.31.19
